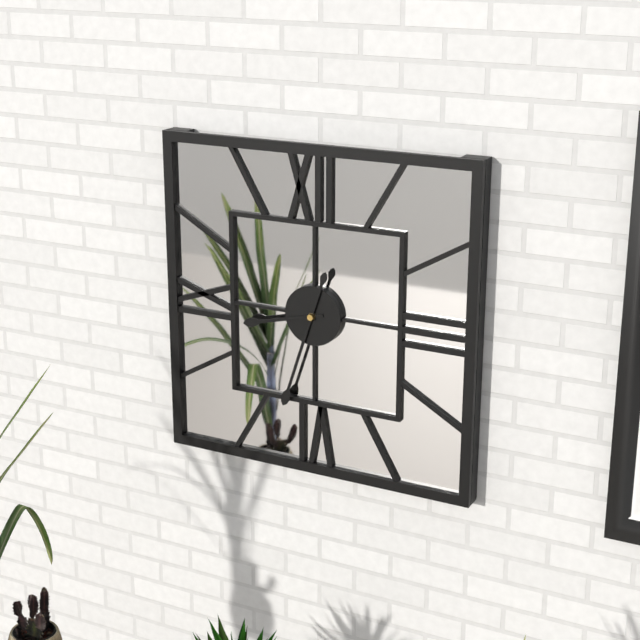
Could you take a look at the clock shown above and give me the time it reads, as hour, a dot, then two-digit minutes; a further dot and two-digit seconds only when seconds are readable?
8.33
